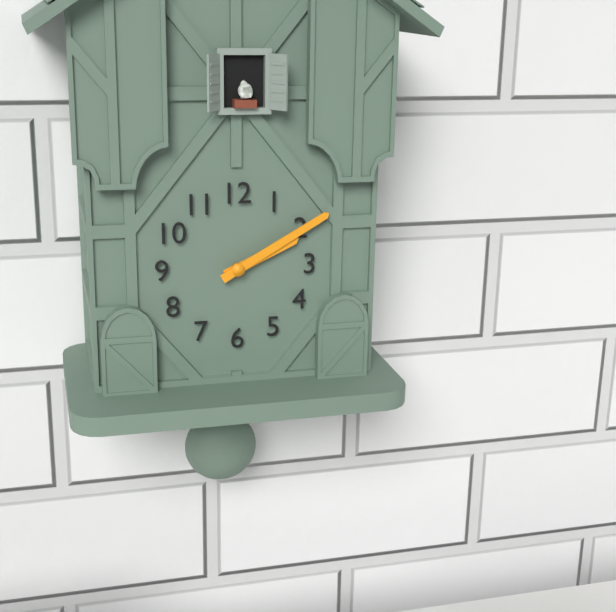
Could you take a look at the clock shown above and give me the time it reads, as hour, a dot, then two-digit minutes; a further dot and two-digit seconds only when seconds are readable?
2.10
